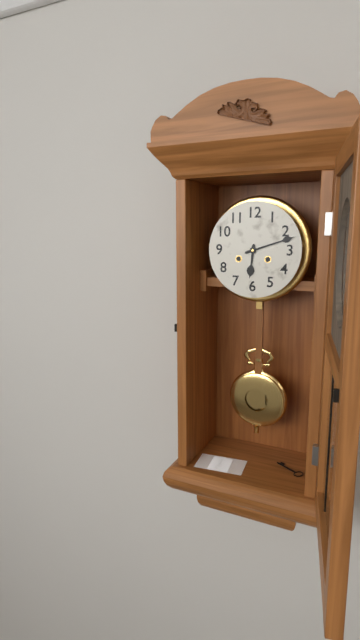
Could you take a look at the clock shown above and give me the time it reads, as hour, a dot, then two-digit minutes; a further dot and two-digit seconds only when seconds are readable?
6.12
